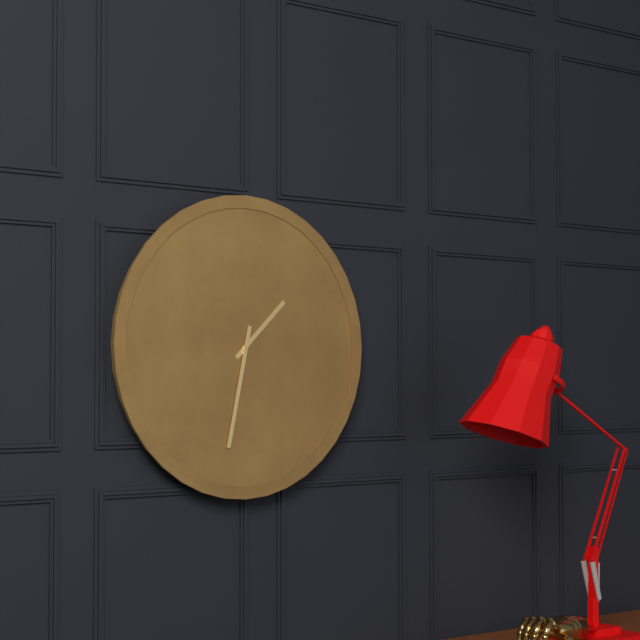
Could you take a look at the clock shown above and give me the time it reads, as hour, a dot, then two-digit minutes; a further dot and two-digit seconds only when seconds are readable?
1.32
